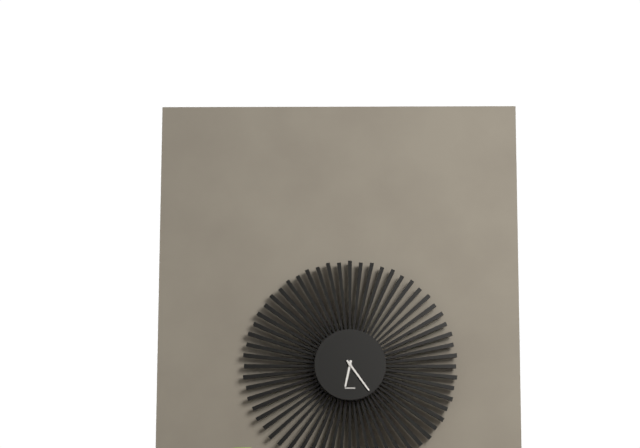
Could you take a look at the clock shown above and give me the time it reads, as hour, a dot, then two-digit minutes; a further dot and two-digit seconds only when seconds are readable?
6.24
